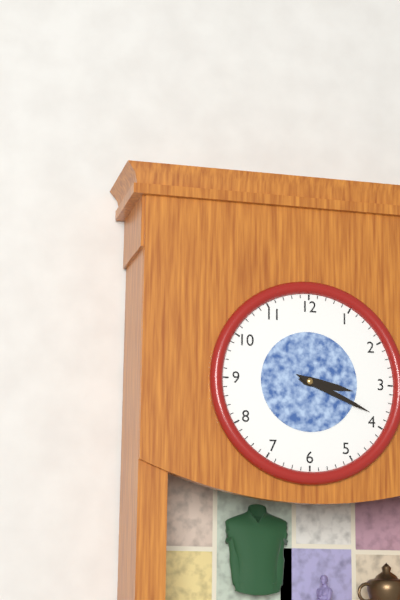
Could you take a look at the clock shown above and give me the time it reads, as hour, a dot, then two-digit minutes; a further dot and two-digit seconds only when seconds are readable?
3.19
